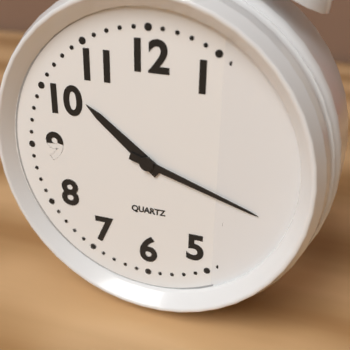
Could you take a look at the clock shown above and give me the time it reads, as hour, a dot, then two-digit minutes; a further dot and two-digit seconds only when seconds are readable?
10.18
